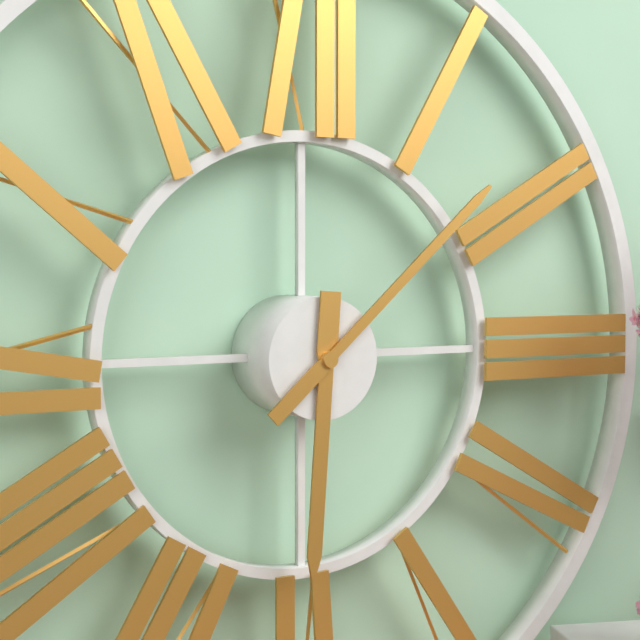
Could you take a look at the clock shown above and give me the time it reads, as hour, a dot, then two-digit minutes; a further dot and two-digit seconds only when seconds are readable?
6.08
